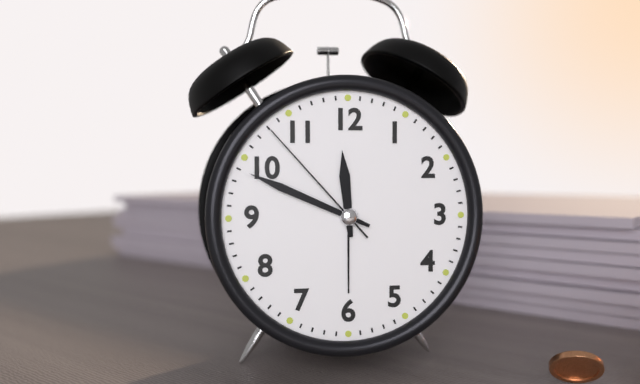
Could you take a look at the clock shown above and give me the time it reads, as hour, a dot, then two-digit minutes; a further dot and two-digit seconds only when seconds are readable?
11.49.53
